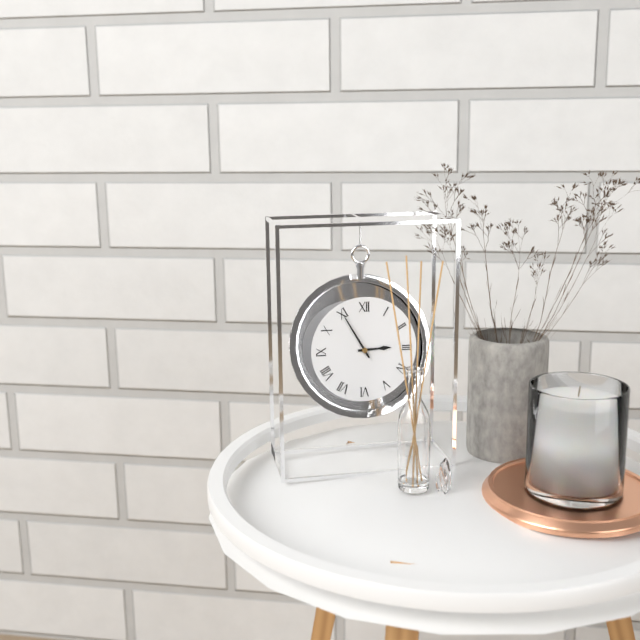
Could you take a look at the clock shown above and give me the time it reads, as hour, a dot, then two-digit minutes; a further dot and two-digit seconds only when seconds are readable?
2.55
